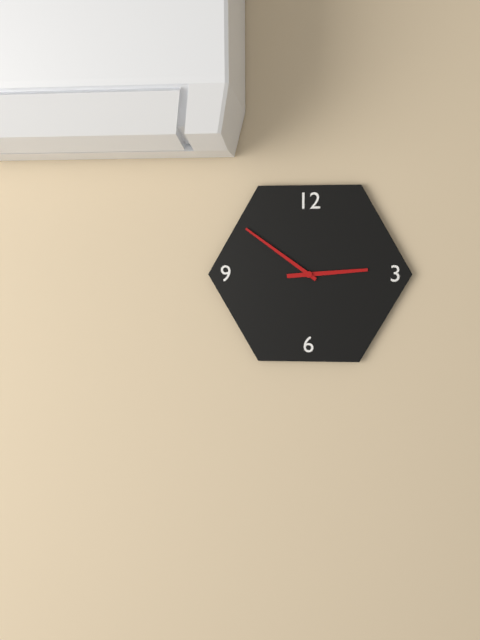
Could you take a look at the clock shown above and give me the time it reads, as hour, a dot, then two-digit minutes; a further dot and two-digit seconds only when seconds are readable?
2.51
